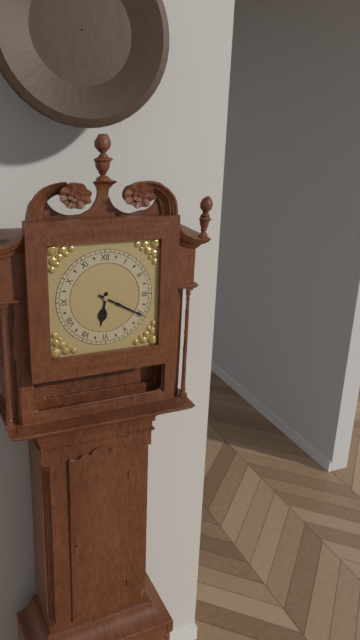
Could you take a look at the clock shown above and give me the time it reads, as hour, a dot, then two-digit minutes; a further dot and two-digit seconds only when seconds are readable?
6.20
